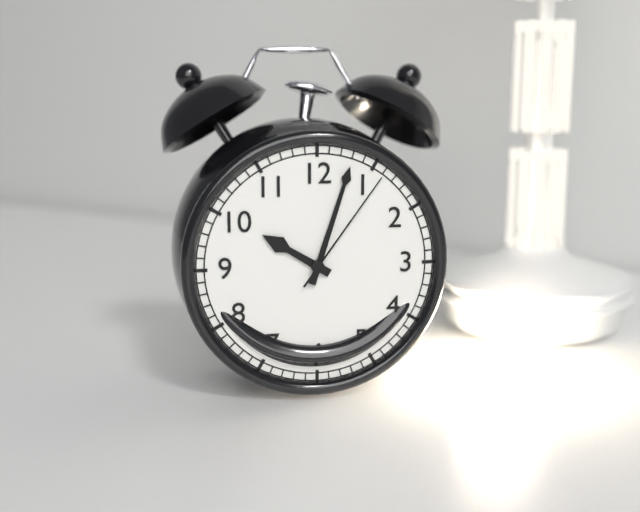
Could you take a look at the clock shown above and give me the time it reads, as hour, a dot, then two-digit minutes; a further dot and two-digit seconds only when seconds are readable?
10.03.06
